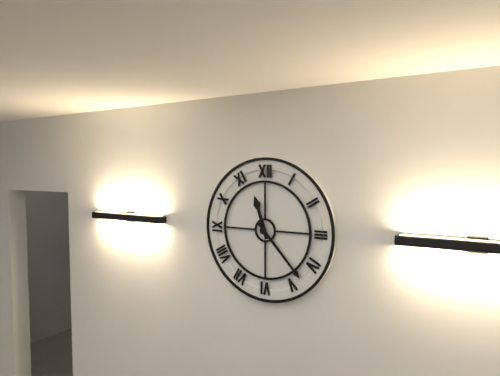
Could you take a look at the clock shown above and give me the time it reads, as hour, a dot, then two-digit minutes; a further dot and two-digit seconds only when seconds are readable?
11.23
